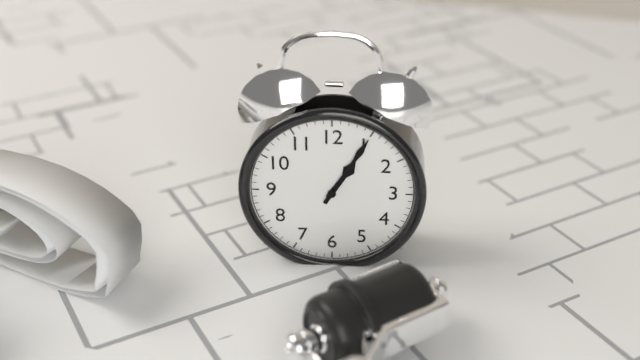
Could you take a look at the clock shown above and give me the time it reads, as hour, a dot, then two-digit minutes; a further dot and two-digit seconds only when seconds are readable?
1.05
